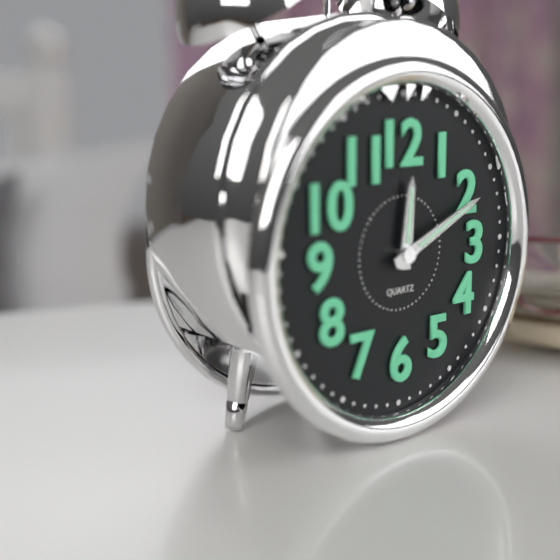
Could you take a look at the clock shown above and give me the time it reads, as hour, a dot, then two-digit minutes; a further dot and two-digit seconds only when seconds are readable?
12.11
